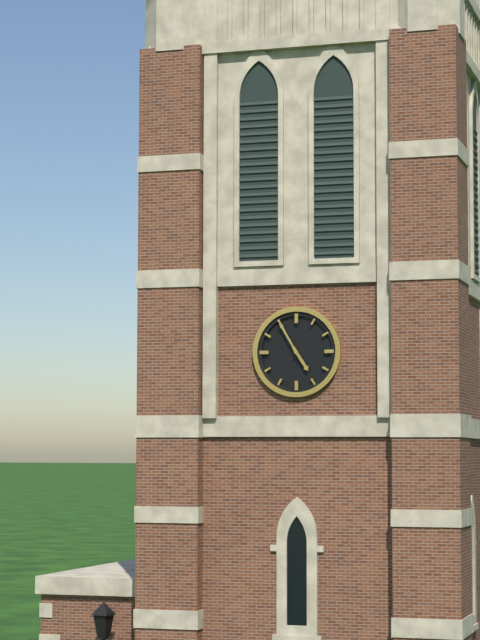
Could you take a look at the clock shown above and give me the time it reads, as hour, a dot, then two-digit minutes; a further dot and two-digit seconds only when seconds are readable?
4.55
